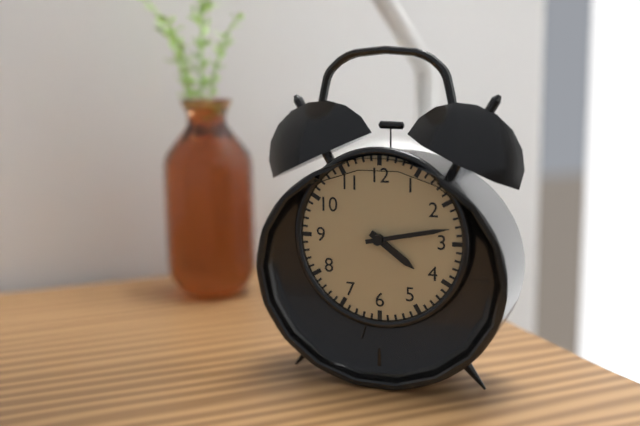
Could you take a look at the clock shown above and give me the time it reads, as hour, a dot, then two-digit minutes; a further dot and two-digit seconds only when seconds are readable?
4.13
